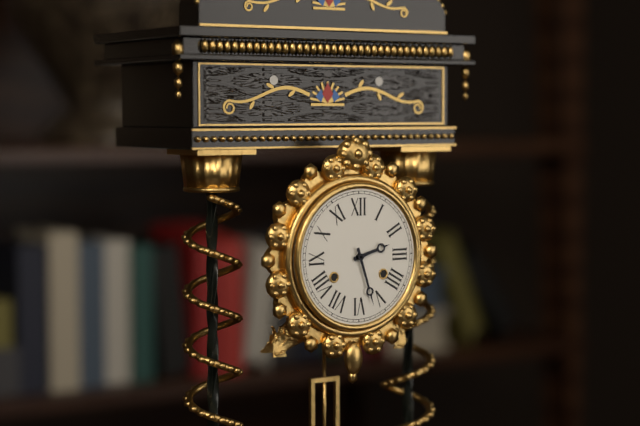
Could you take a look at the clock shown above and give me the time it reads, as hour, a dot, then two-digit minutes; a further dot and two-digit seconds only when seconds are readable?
2.27
